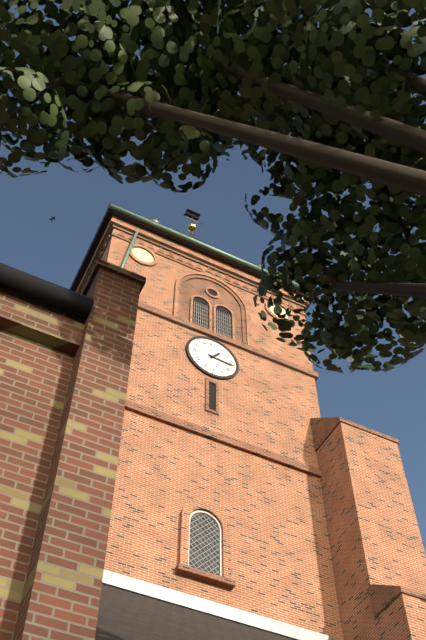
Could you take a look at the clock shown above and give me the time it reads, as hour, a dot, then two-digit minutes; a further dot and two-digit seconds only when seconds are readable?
1.16
